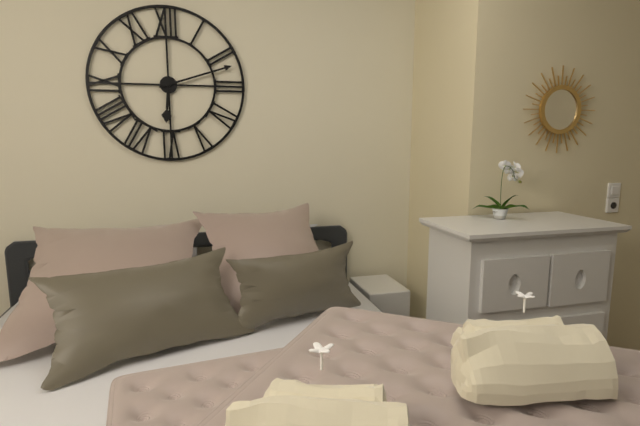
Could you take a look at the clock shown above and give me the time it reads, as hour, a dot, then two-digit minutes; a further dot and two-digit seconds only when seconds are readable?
6.12
